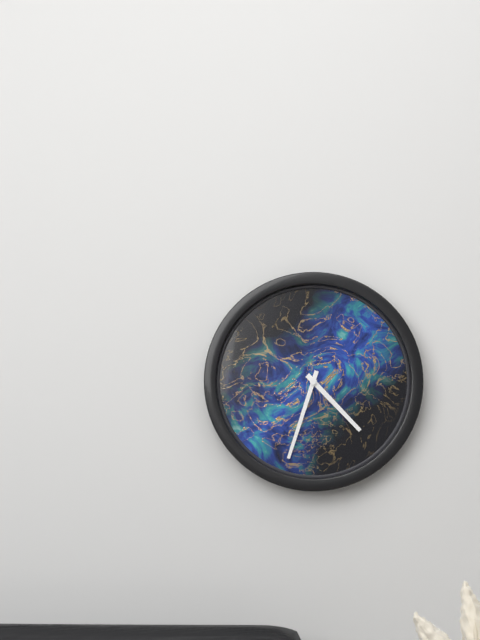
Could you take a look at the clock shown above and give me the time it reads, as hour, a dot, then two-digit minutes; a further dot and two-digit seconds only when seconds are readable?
4.33
